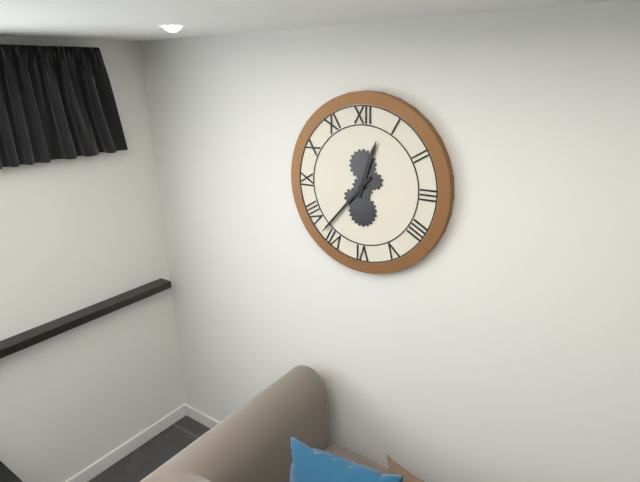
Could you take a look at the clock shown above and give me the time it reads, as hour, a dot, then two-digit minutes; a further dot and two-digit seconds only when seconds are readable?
12.37
